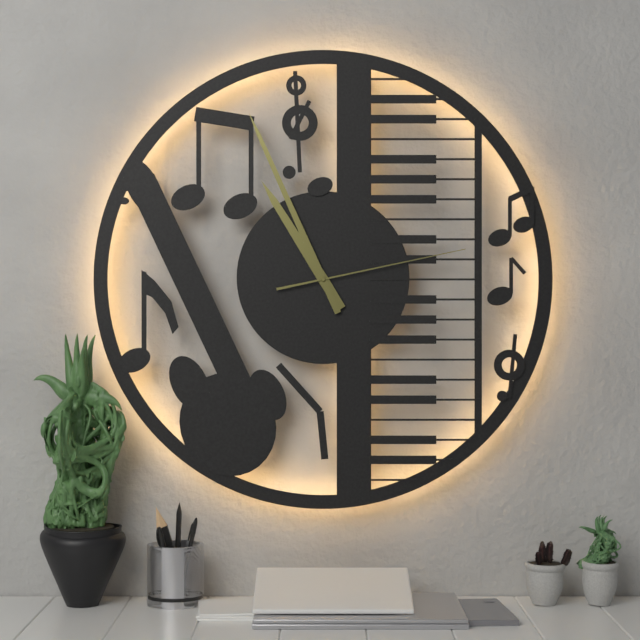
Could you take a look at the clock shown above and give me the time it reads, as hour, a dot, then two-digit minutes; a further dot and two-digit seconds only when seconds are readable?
10.56.13
